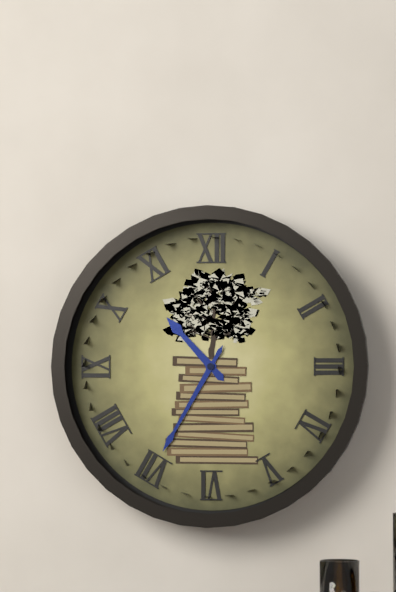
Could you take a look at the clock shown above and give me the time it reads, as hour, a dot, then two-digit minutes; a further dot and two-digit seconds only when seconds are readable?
10.35
